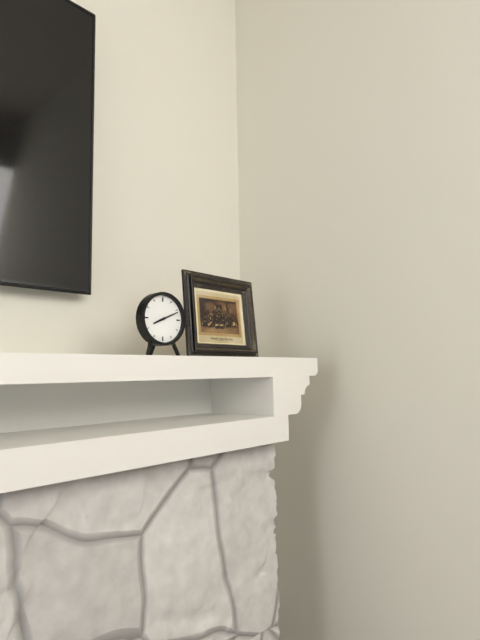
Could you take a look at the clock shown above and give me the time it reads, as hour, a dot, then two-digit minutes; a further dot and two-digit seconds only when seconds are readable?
8.11
